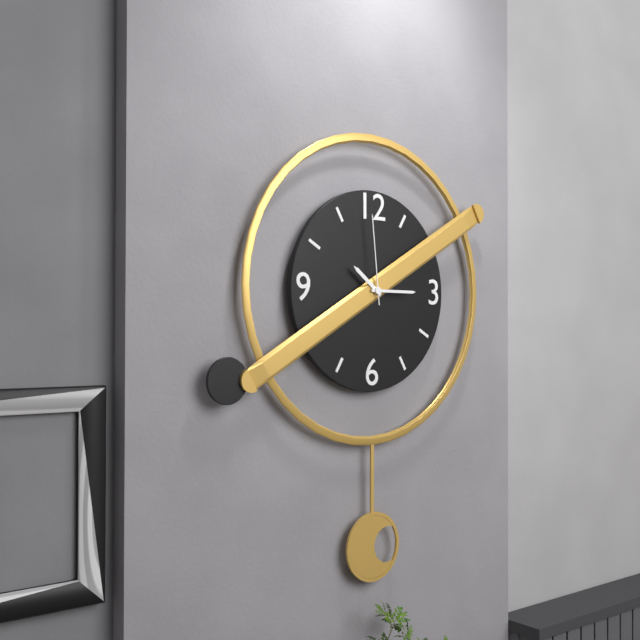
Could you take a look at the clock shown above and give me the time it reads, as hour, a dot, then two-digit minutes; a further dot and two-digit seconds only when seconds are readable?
10.15.59
